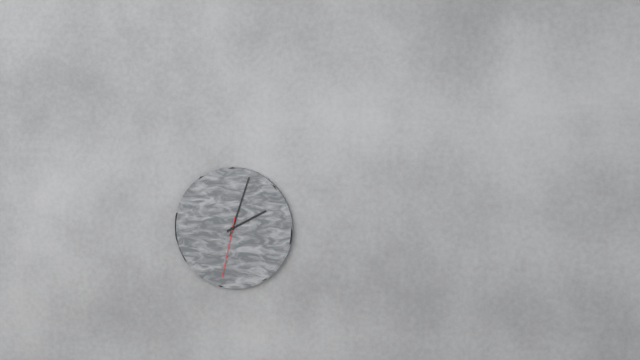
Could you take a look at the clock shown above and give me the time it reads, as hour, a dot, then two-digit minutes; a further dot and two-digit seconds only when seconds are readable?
2.03.32
